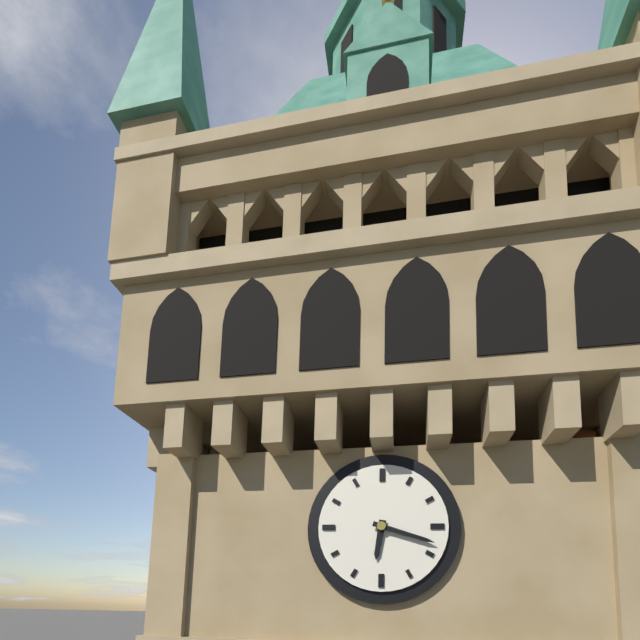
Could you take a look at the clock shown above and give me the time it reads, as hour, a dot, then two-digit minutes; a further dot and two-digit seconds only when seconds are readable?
6.18
